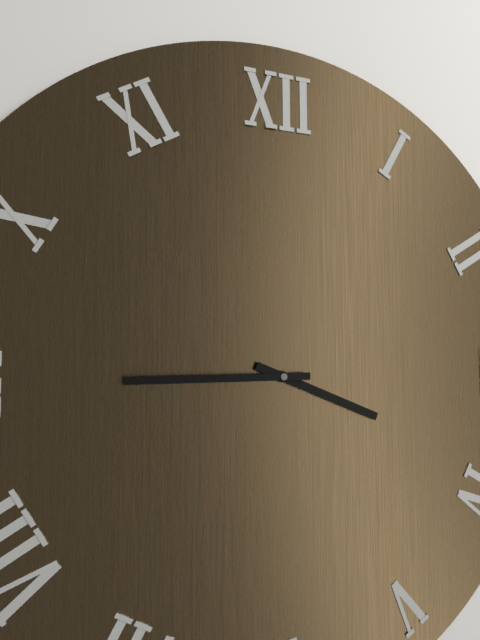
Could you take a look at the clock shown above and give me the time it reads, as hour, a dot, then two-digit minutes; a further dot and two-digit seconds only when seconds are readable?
3.45
